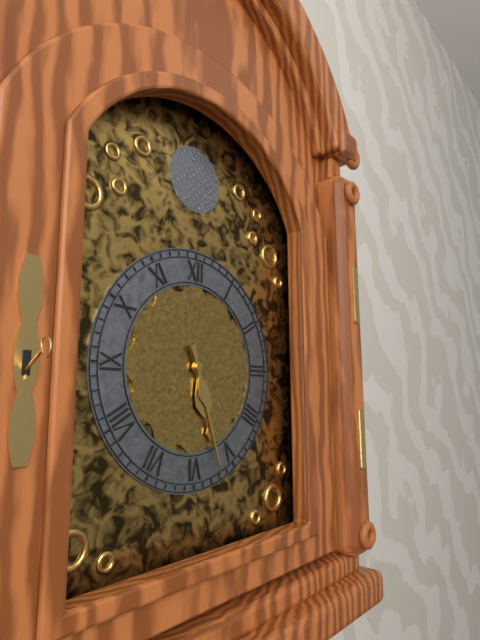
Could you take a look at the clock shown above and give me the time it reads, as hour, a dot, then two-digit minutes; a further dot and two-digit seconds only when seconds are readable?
5.27
